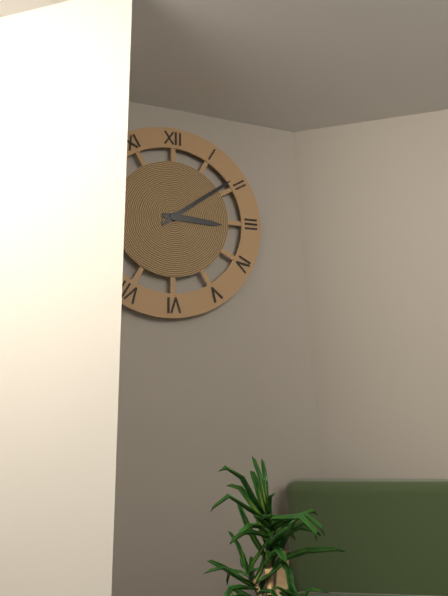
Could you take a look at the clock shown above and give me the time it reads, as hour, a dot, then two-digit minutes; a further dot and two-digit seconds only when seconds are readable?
3.09
